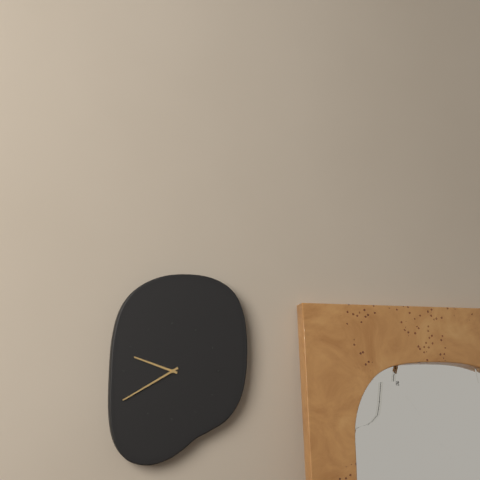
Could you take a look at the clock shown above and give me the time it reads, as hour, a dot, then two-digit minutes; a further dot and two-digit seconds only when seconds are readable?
9.40
